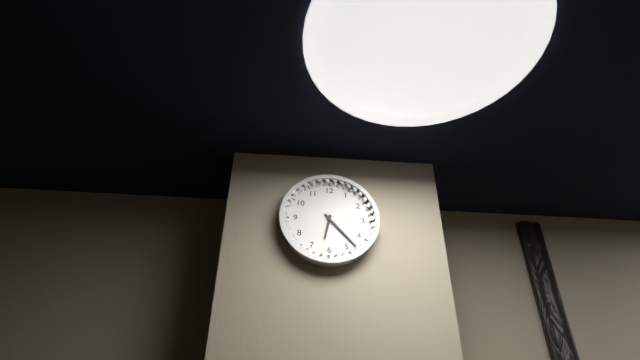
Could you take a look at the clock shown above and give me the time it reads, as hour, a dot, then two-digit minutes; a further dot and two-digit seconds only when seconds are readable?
6.23
